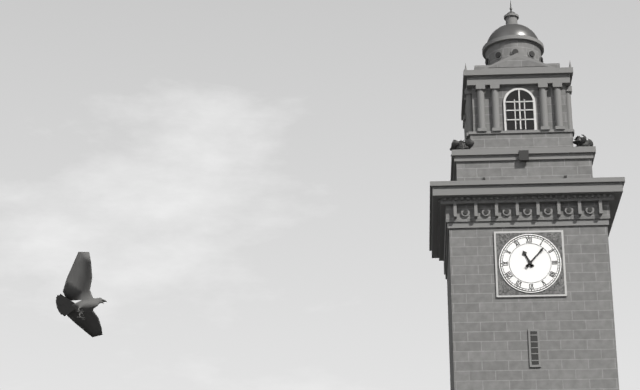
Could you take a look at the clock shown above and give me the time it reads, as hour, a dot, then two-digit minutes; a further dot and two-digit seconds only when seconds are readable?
11.07
